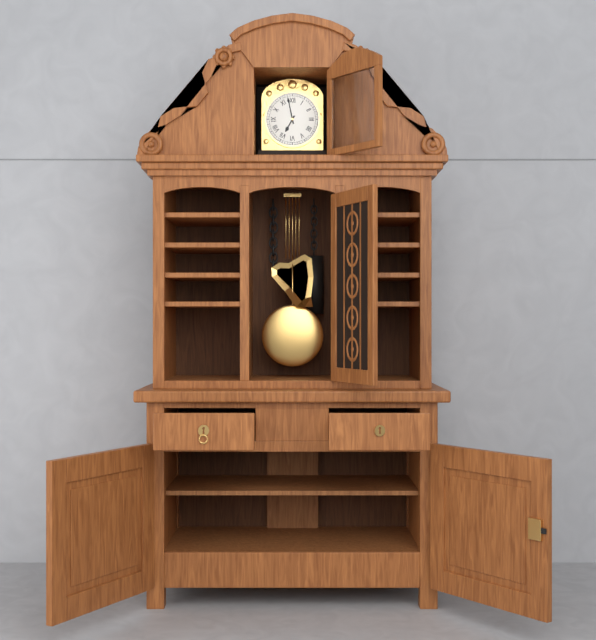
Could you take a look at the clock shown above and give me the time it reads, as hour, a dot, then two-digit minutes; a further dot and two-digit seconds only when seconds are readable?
6.58
